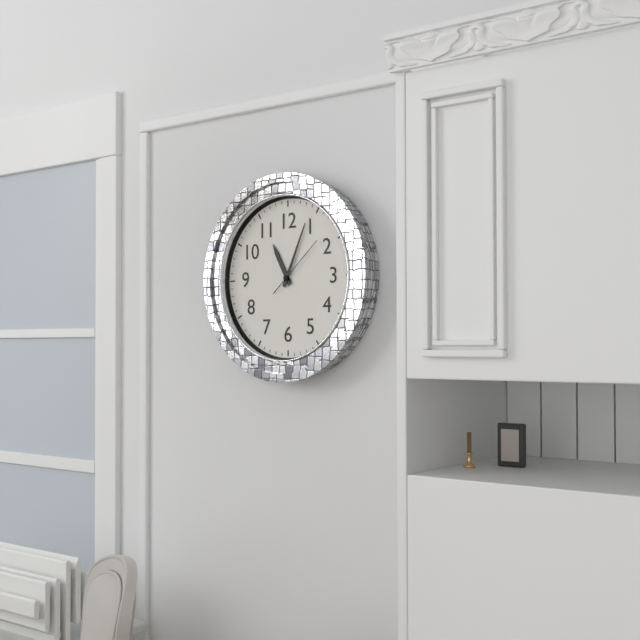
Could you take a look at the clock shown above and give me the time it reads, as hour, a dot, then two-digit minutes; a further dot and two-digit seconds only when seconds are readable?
11.04.08
